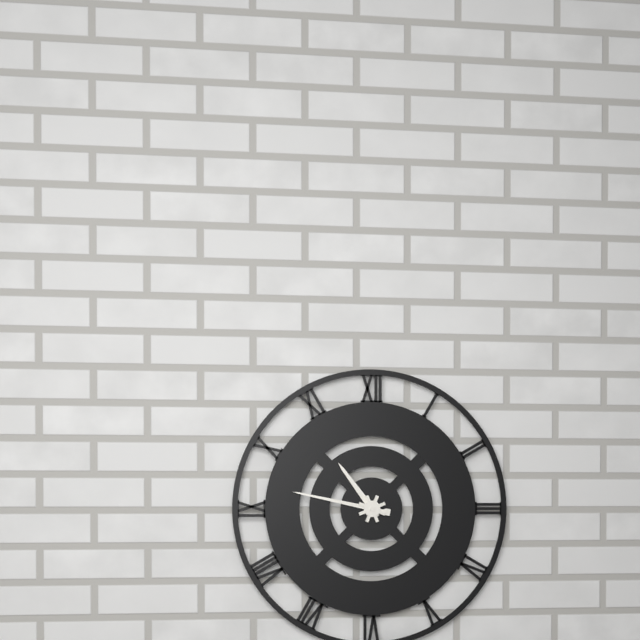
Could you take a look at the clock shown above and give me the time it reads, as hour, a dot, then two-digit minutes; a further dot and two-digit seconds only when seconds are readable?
10.47
